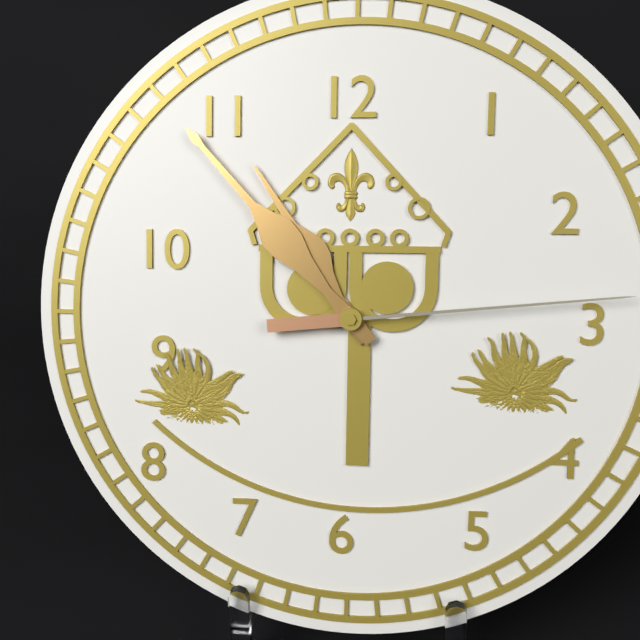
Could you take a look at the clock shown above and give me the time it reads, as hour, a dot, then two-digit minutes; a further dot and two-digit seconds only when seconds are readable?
10.53.14
